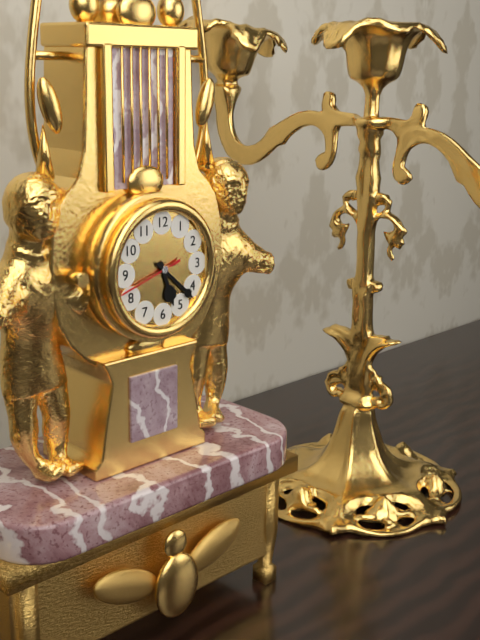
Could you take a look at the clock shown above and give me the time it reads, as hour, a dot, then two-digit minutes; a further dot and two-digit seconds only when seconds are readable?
5.22.42
